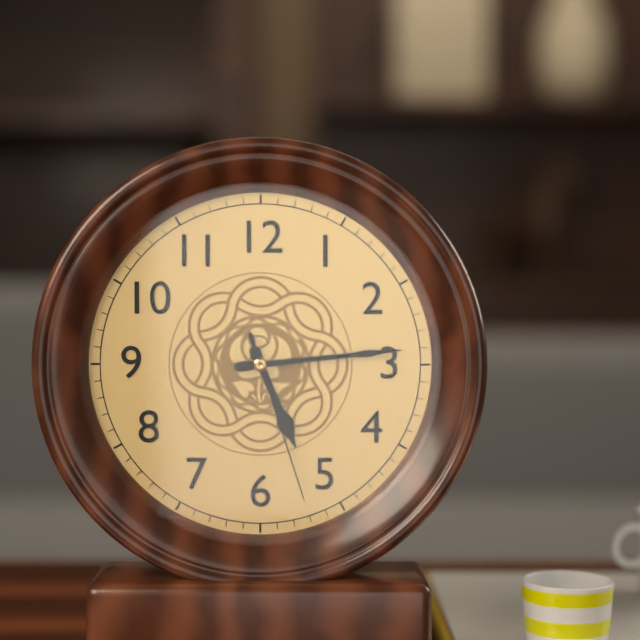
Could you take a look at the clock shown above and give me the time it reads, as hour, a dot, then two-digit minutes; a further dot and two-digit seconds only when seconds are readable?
5.14.27
